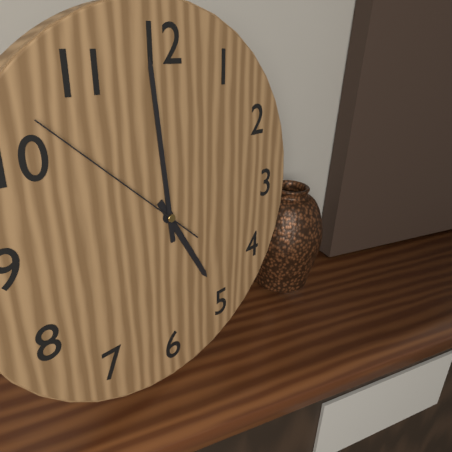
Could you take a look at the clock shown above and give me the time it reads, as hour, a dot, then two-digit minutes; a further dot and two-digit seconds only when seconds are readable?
4.59.52
